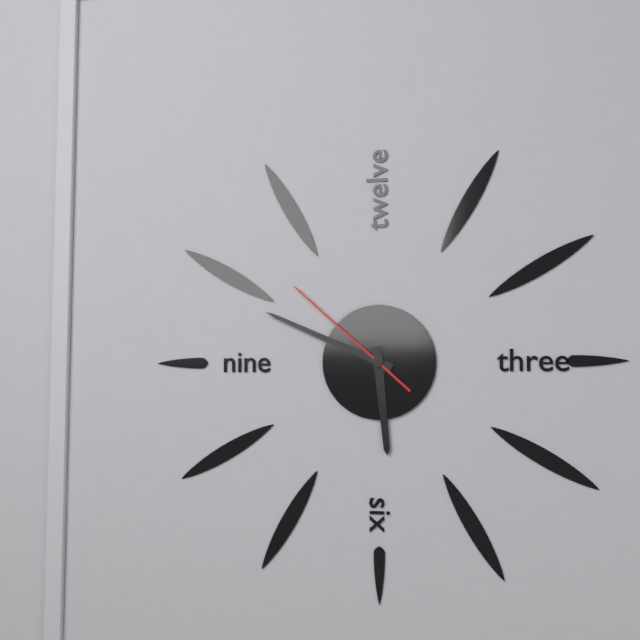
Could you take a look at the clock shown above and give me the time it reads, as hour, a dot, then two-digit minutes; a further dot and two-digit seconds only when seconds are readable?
5.49.52
